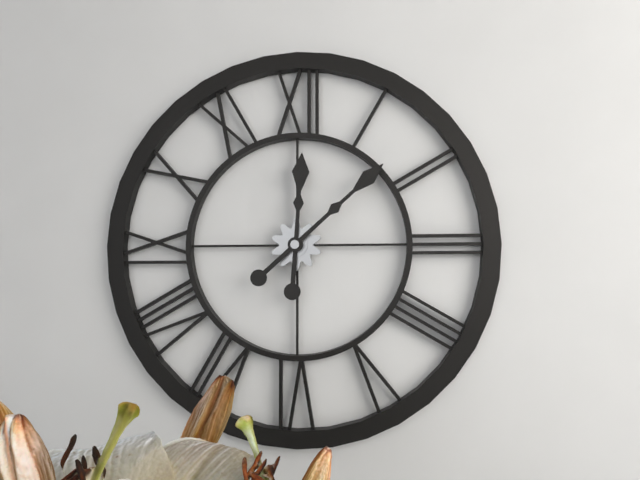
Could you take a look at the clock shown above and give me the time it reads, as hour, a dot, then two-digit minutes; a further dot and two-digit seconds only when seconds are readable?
12.08
